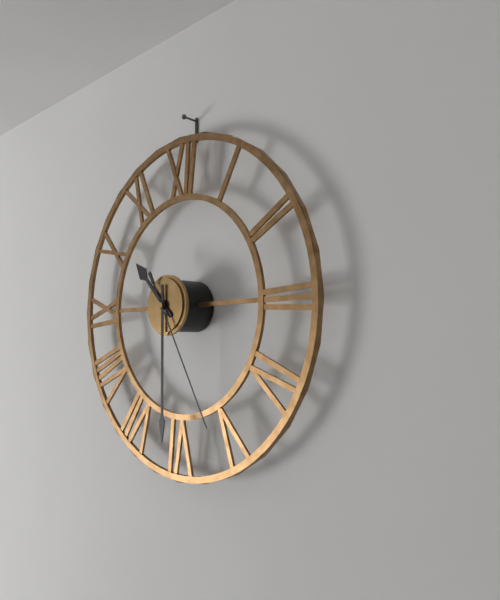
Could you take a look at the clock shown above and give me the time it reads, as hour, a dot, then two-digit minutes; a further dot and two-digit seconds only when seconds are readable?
10.30.25
